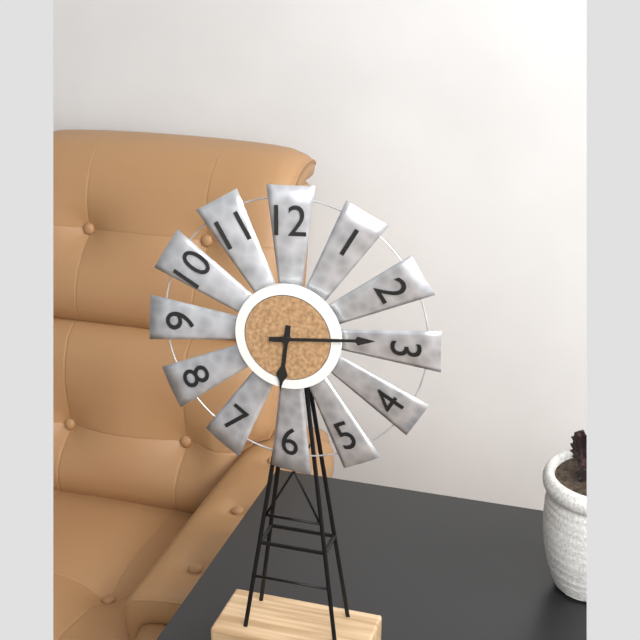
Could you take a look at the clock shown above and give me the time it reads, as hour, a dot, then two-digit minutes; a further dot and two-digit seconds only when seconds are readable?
6.14
